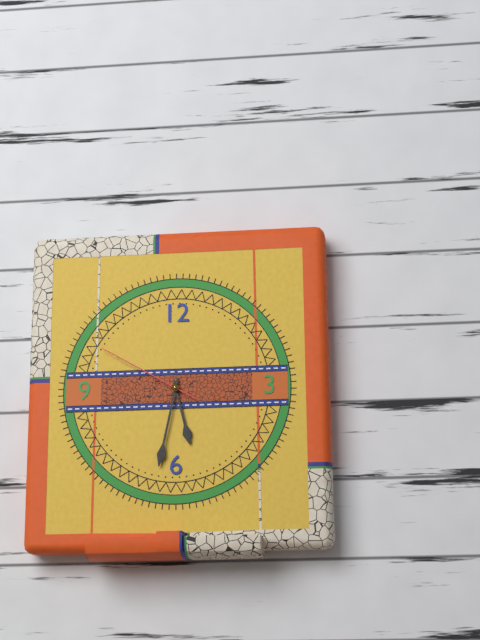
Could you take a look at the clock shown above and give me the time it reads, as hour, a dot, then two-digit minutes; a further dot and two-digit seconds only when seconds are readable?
5.32.50
